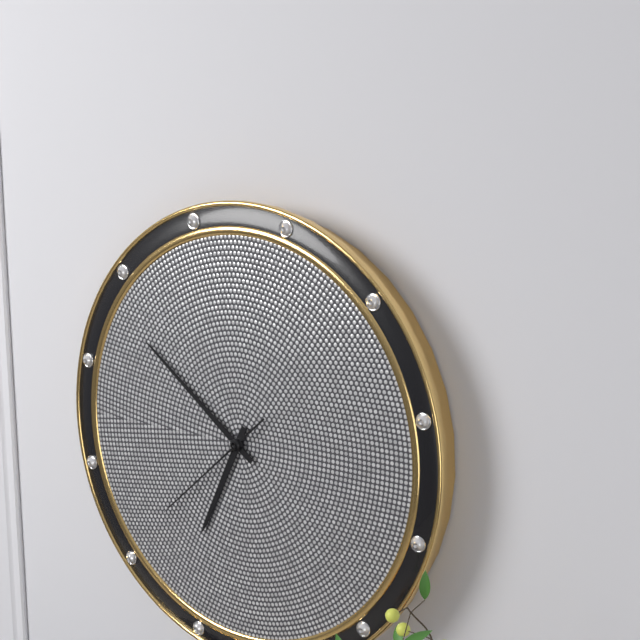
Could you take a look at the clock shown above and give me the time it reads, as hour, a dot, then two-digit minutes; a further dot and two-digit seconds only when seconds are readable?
6.51.38
